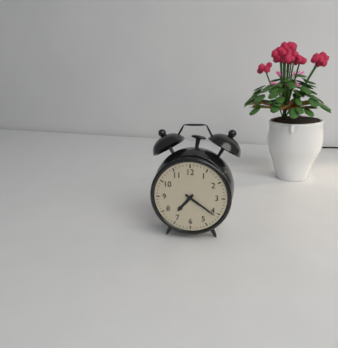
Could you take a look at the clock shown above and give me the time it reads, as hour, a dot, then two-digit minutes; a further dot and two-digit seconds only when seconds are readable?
7.21
